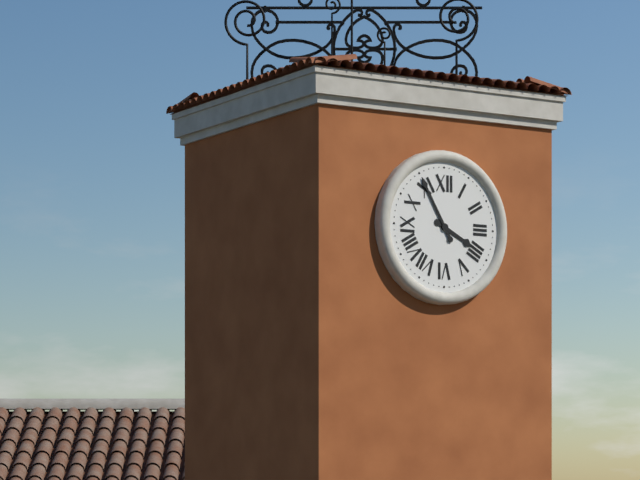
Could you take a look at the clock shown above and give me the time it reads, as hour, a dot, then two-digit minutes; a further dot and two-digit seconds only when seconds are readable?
3.55
